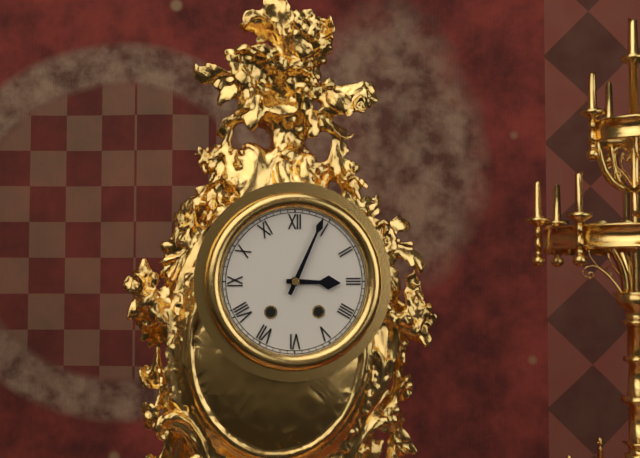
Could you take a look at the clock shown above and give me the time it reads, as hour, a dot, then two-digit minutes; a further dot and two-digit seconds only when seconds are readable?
3.04
